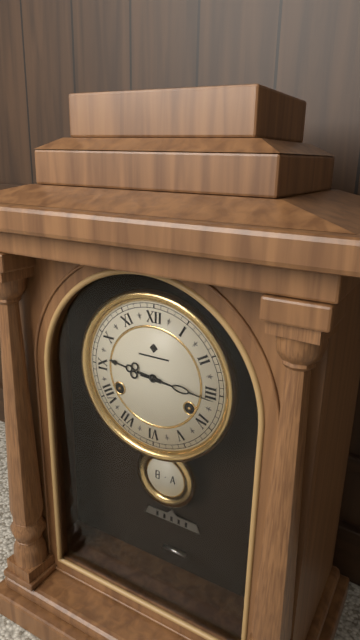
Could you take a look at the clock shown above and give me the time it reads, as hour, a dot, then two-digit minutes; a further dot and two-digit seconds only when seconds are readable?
9.16
